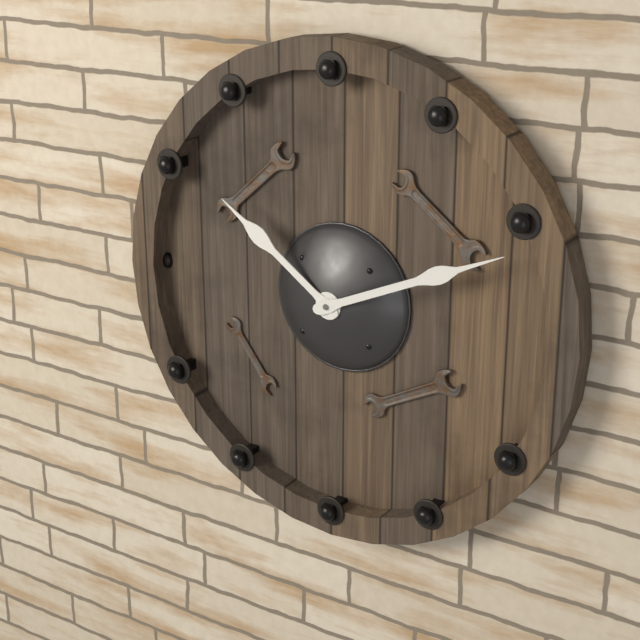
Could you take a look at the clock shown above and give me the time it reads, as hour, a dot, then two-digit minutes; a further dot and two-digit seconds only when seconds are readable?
10.11
